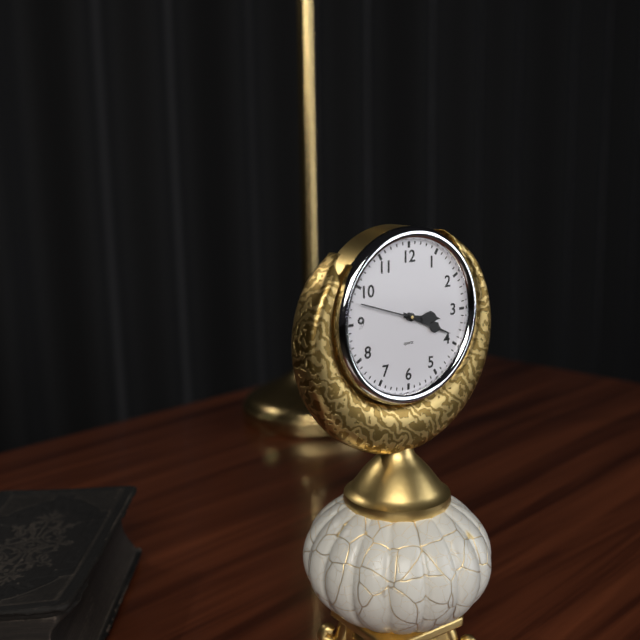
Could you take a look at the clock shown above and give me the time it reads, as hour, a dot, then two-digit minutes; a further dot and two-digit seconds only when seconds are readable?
3.19
